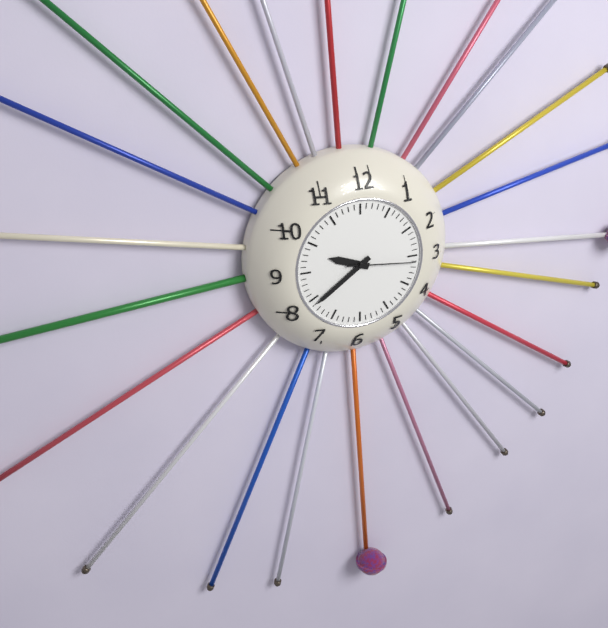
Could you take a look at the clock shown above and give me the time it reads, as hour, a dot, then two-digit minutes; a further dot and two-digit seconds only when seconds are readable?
9.39.16
